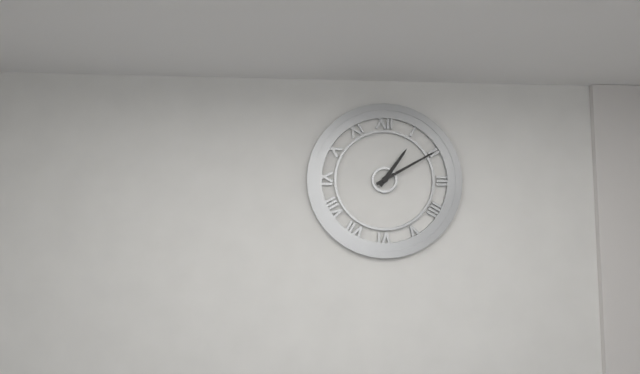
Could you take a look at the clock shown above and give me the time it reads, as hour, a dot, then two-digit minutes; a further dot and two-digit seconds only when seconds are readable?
1.10
